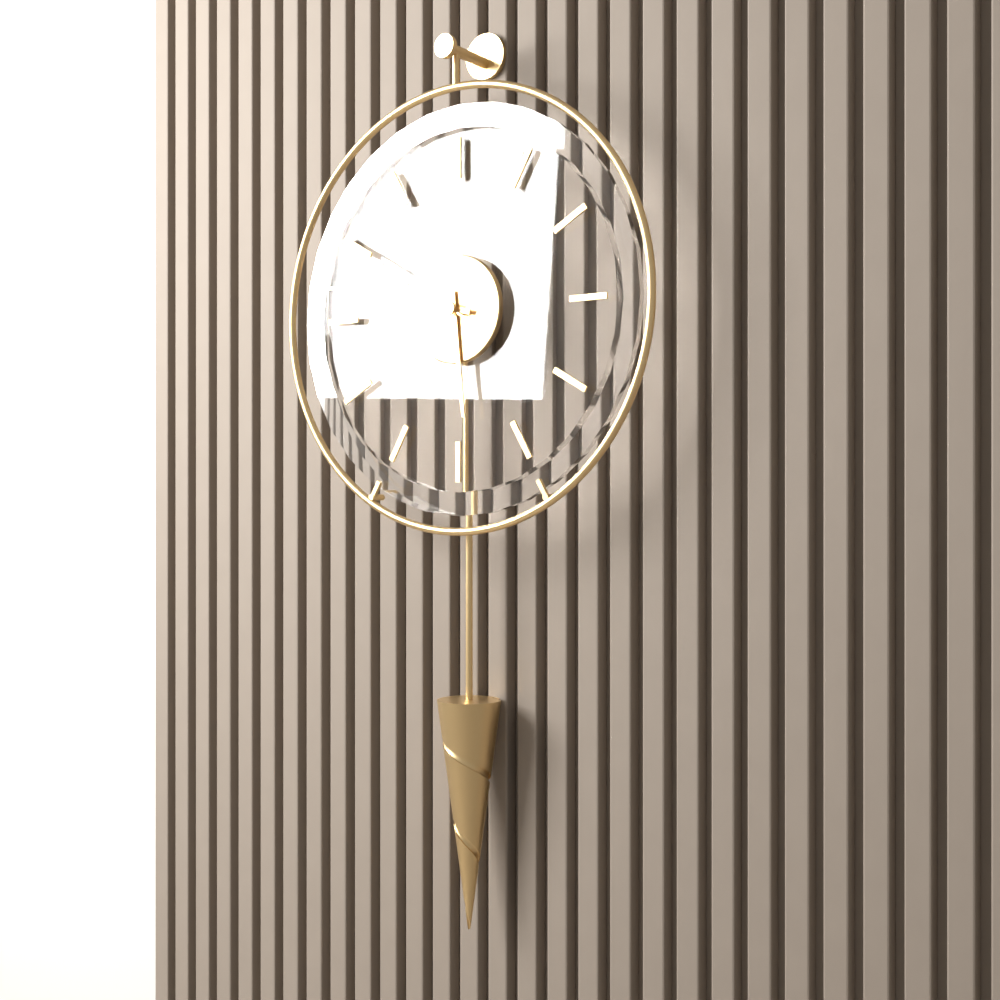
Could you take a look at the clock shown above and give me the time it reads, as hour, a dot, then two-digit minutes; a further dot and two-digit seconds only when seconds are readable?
5.47.50
